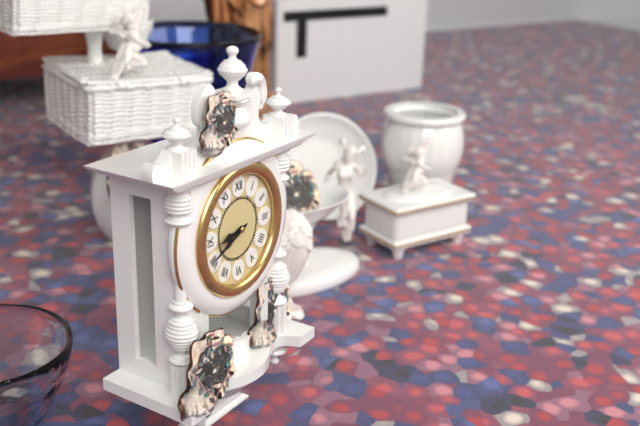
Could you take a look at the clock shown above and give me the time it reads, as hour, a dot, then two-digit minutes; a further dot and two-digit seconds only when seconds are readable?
8.41
